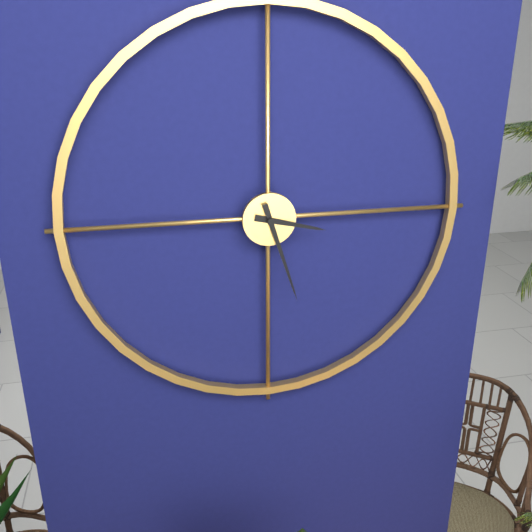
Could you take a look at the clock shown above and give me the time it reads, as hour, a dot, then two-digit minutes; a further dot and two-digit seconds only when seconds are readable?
3.27
